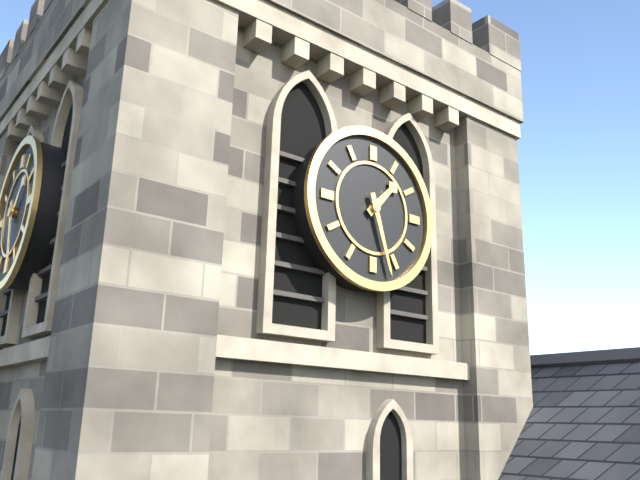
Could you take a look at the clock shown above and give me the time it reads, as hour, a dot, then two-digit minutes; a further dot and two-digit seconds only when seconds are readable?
1.27
